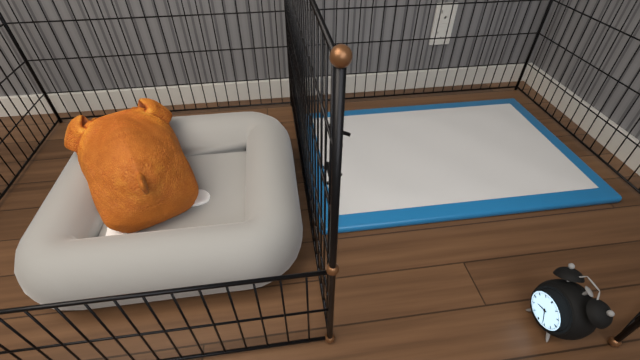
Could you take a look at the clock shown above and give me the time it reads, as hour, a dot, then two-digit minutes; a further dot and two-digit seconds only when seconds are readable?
8.26
